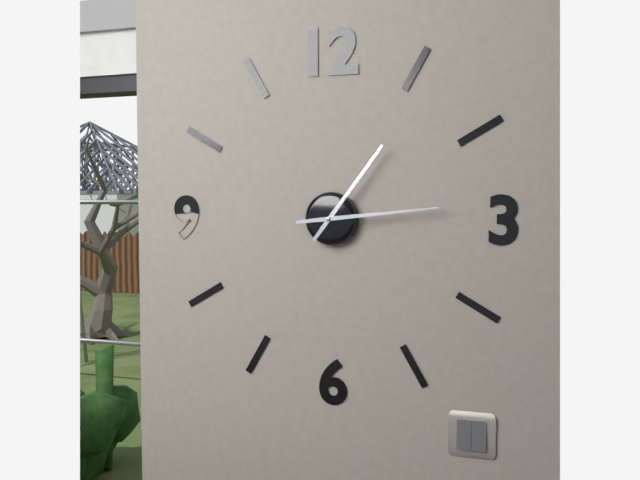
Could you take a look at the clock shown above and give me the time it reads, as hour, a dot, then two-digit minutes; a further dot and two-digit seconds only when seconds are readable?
1.14
